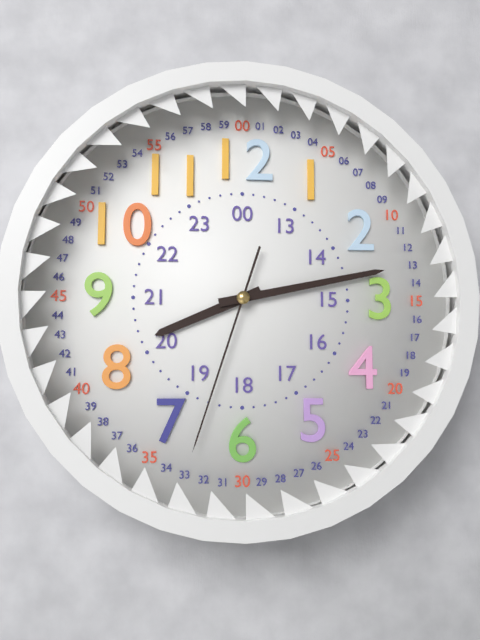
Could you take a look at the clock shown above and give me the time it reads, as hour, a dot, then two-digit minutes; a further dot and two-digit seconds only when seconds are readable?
8.13.33
